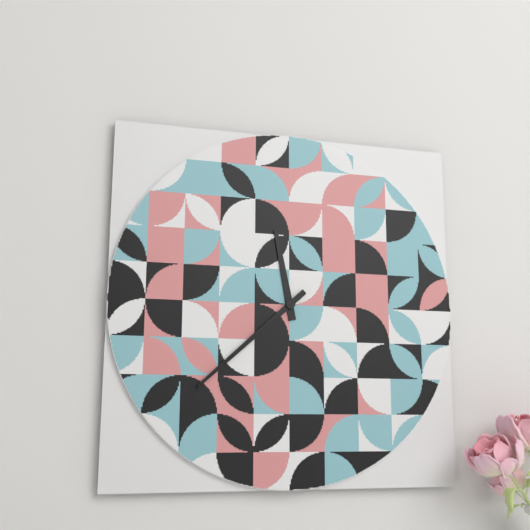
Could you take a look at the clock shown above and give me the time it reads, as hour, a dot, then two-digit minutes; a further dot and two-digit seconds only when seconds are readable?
11.38
